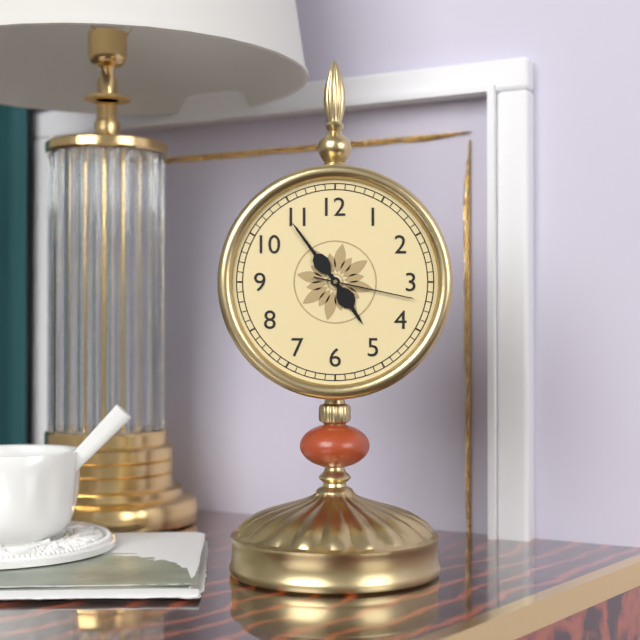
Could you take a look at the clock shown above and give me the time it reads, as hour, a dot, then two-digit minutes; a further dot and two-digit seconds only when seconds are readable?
4.54.17
